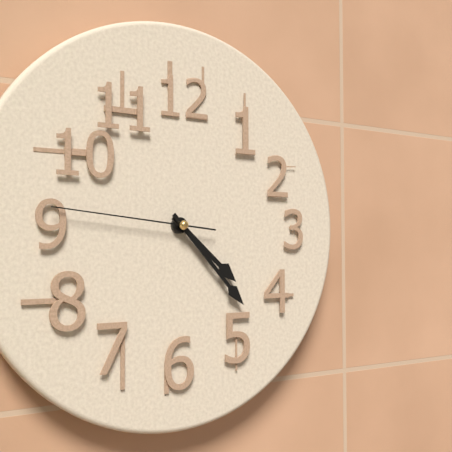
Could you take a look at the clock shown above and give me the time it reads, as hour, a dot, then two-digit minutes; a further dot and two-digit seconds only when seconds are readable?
4.23.46
